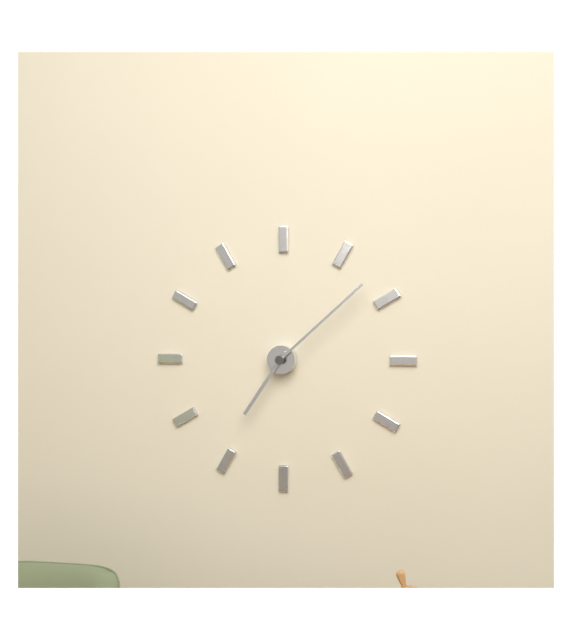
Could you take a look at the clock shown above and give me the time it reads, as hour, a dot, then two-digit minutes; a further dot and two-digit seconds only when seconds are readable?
7.08
